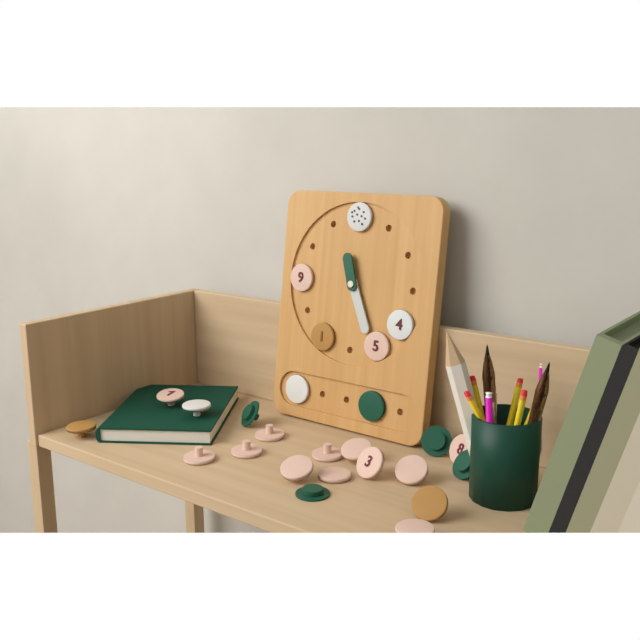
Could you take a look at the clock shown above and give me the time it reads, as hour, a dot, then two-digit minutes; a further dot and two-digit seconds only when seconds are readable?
11.26
